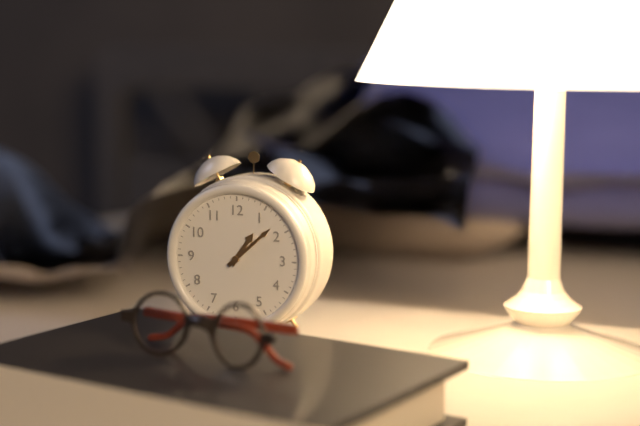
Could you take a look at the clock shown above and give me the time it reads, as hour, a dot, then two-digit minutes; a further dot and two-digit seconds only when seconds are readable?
1.08
